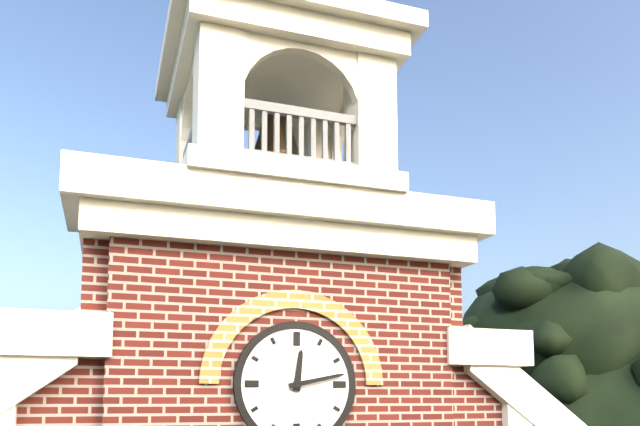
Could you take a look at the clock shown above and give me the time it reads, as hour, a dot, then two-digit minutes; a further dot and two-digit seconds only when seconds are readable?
12.13
